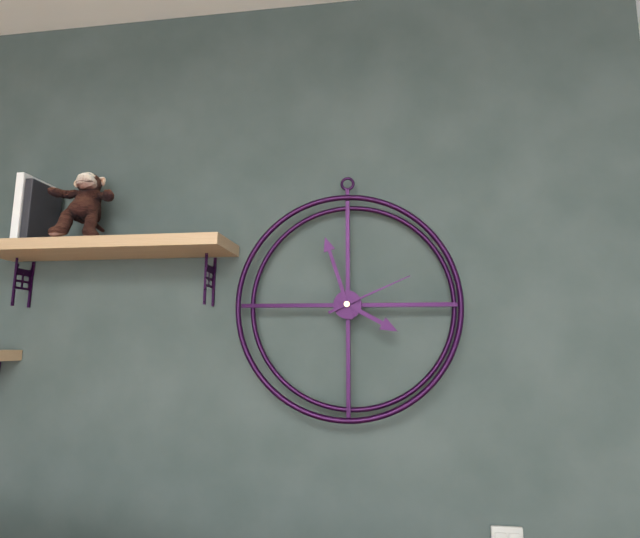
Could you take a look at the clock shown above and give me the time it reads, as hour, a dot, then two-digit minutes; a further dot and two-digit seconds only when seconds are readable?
3.57.11
